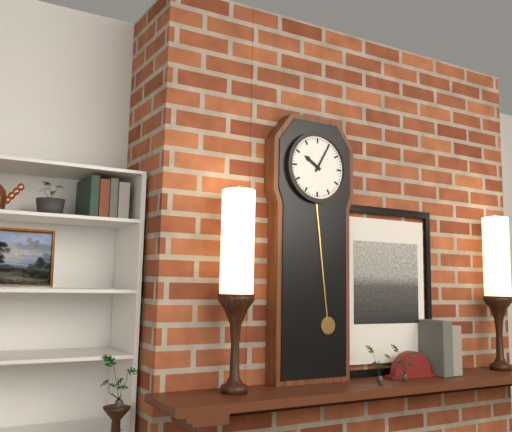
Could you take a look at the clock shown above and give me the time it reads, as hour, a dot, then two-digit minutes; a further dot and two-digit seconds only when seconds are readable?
10.05
